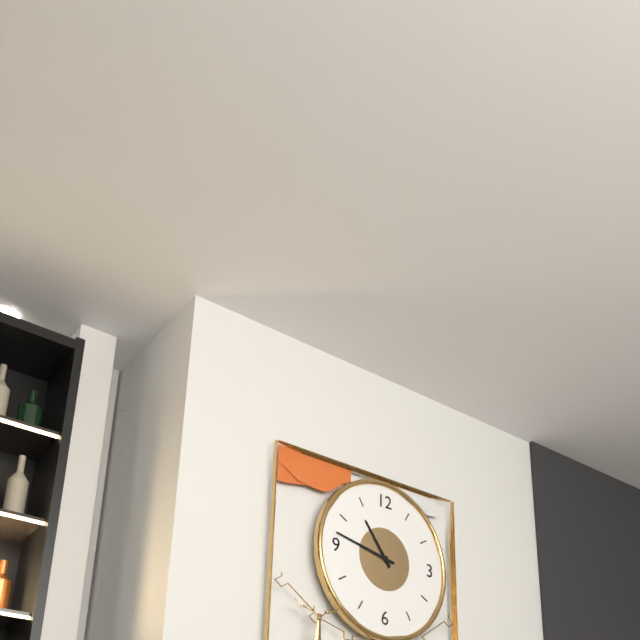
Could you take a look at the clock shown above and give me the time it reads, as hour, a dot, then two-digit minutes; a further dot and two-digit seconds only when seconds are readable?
10.47
